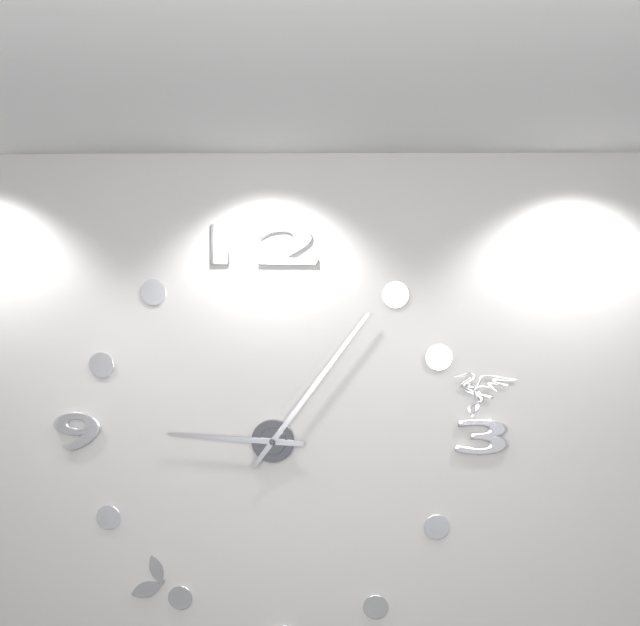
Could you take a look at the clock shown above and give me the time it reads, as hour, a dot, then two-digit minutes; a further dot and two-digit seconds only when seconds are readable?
9.06
